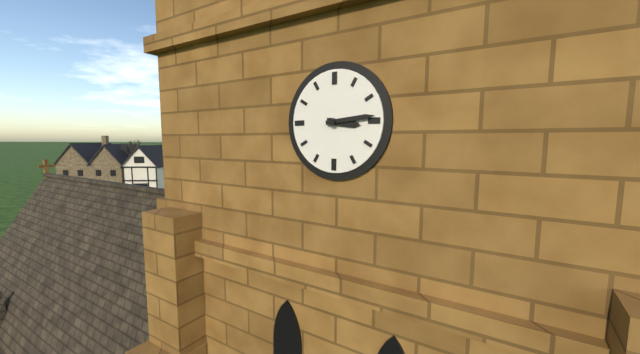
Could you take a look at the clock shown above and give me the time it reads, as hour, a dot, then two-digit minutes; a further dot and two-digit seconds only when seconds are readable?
3.14
